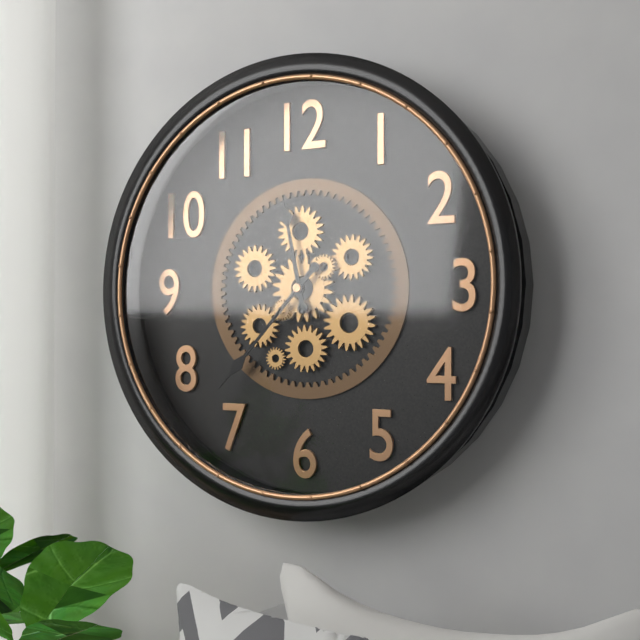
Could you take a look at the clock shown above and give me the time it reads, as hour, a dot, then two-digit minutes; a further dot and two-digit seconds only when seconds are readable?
11.37
